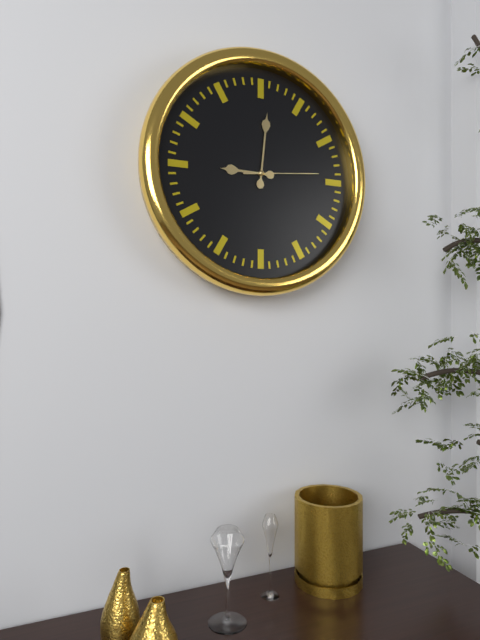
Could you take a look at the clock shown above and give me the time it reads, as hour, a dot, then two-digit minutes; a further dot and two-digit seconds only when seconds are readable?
9.01.14
